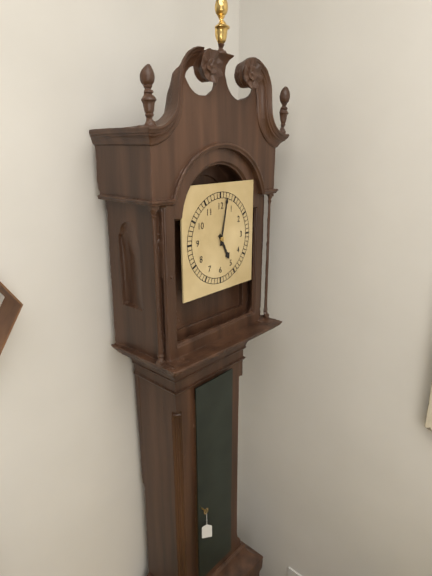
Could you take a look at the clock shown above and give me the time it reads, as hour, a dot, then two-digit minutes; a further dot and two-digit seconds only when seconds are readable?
5.02
